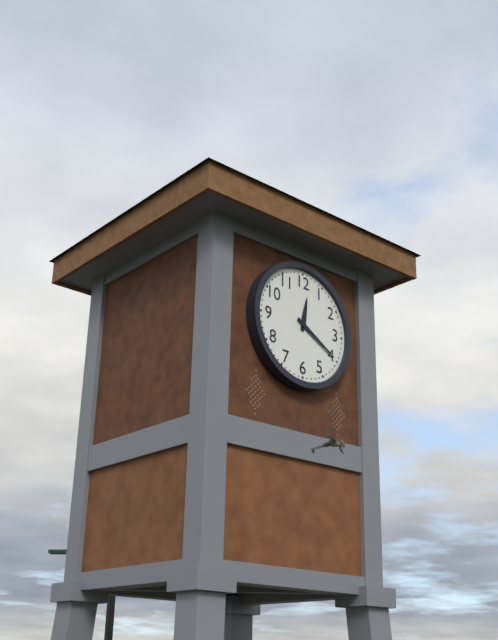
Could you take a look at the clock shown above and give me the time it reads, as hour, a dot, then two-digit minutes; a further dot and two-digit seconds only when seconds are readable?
12.20
